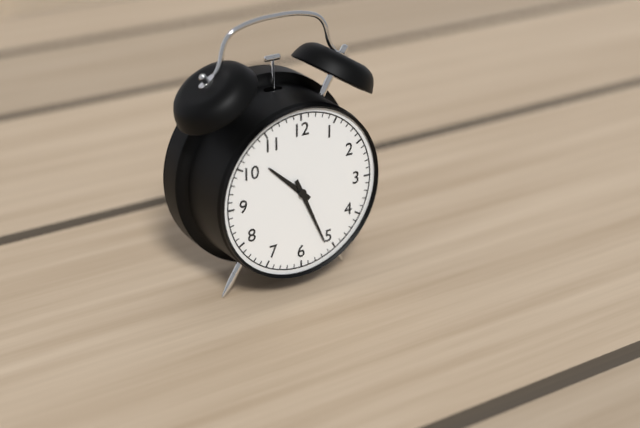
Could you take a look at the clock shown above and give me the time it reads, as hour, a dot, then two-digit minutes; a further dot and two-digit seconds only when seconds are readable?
10.26
